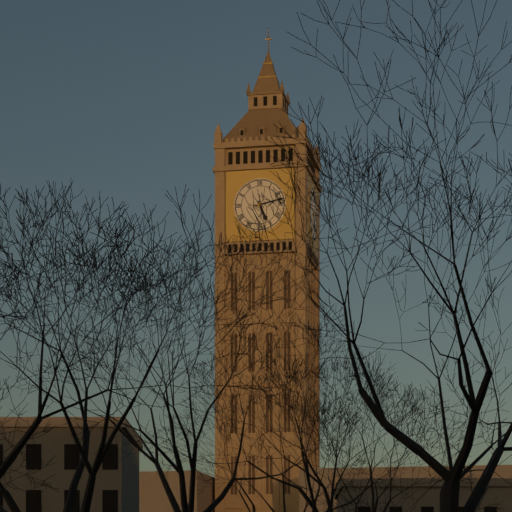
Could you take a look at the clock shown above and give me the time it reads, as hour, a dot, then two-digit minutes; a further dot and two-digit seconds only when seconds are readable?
5.13
